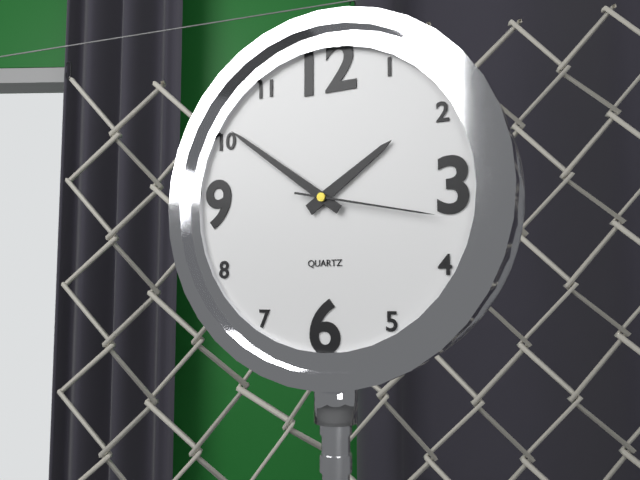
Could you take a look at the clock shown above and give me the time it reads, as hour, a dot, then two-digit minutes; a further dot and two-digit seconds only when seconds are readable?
1.51.17
